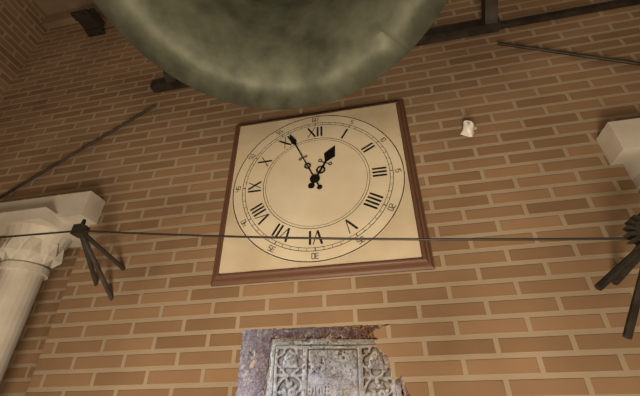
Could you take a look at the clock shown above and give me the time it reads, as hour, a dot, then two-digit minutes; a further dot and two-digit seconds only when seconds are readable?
12.56
